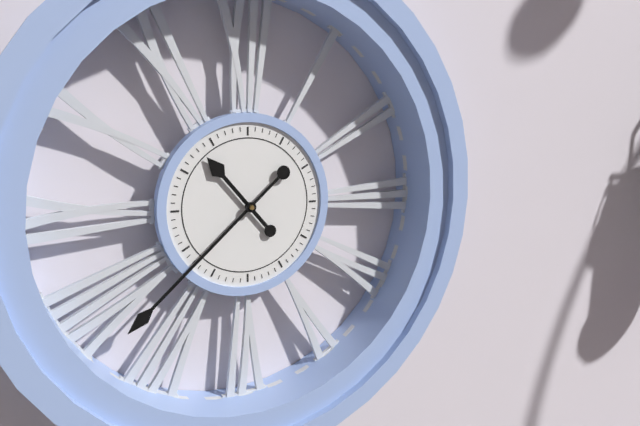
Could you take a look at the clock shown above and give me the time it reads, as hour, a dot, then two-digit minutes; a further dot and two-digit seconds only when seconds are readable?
10.38
